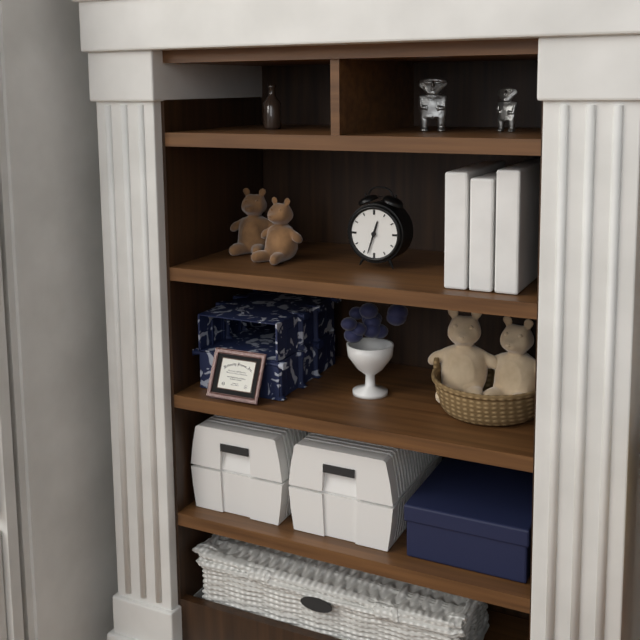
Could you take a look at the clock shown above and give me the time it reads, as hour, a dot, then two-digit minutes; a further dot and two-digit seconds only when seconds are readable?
12.33
